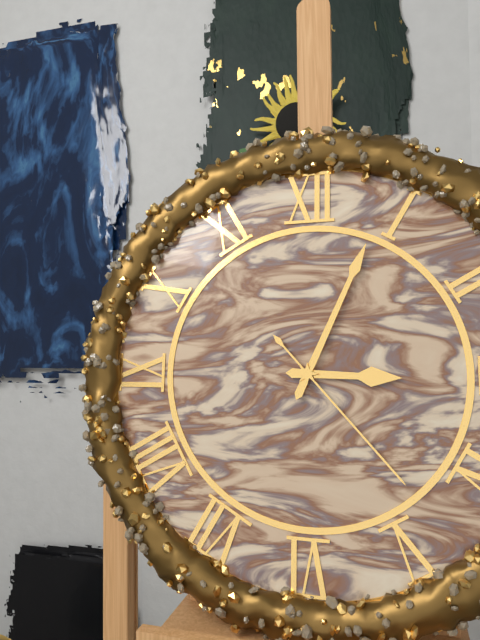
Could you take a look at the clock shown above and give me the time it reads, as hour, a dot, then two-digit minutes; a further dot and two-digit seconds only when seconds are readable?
3.04.23
